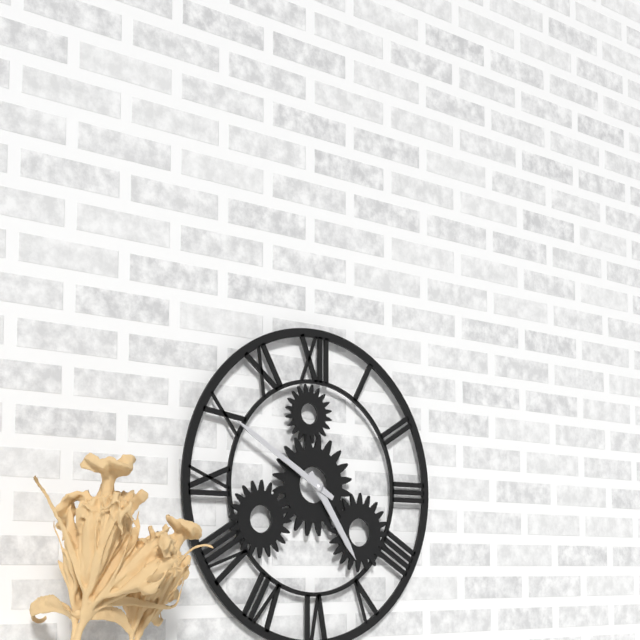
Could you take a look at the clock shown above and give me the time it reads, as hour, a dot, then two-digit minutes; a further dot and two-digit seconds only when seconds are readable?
4.50
